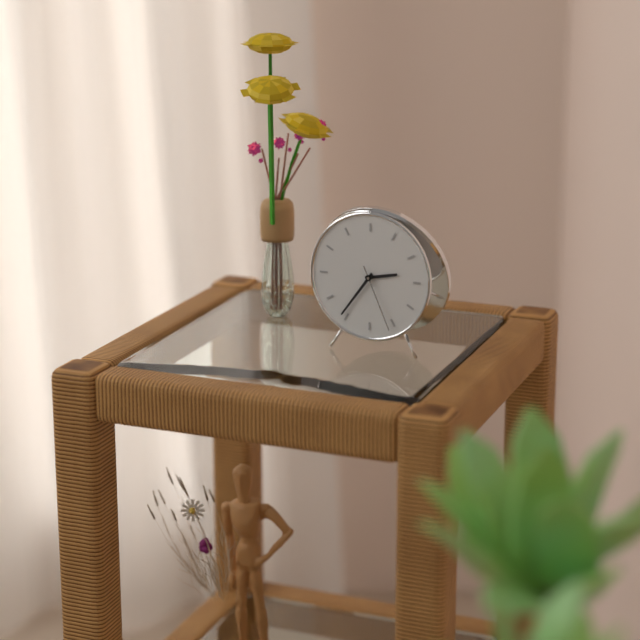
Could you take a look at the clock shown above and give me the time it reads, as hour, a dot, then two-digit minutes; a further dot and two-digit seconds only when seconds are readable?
2.36.26
